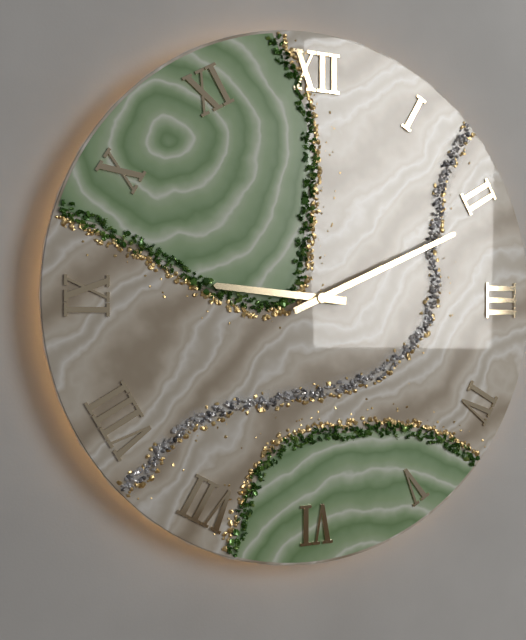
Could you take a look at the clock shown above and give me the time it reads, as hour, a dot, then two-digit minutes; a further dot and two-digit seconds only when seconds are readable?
9.11
